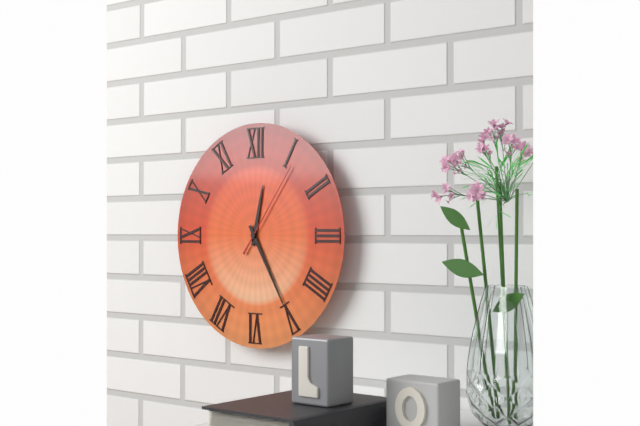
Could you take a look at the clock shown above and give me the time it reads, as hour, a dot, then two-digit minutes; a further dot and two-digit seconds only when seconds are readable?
12.25.06
